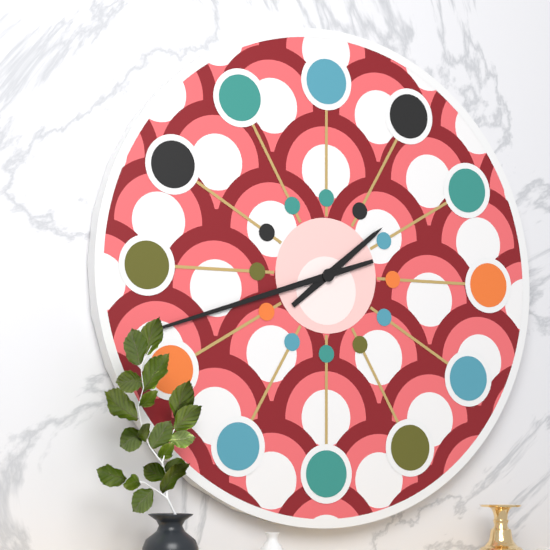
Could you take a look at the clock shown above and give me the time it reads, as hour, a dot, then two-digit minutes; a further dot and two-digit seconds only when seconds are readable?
1.42
